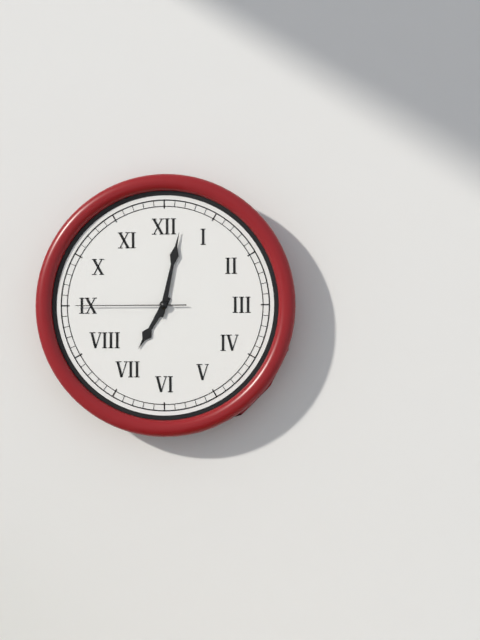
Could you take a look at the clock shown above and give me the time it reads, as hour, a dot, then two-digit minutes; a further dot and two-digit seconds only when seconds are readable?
7.02.45
